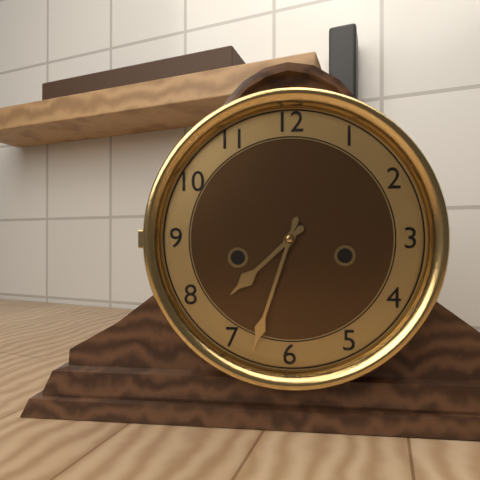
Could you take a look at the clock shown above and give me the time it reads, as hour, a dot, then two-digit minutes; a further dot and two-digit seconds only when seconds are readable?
7.33
